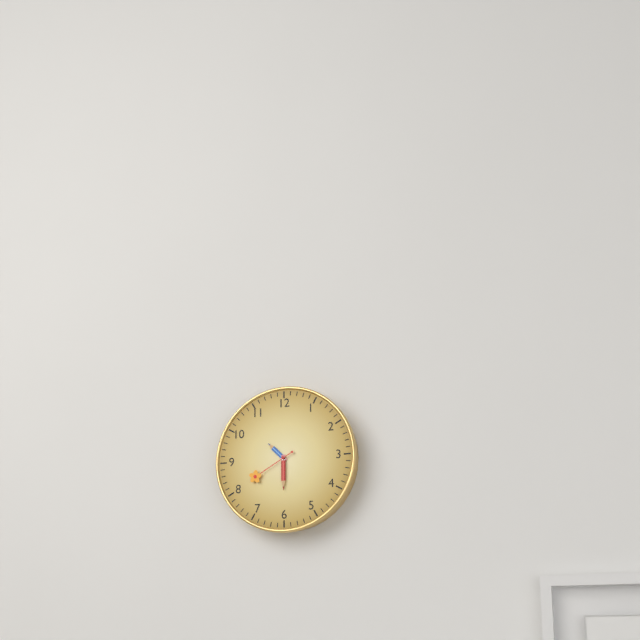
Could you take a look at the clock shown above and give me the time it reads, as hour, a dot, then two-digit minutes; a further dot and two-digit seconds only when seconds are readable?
10.30.40
